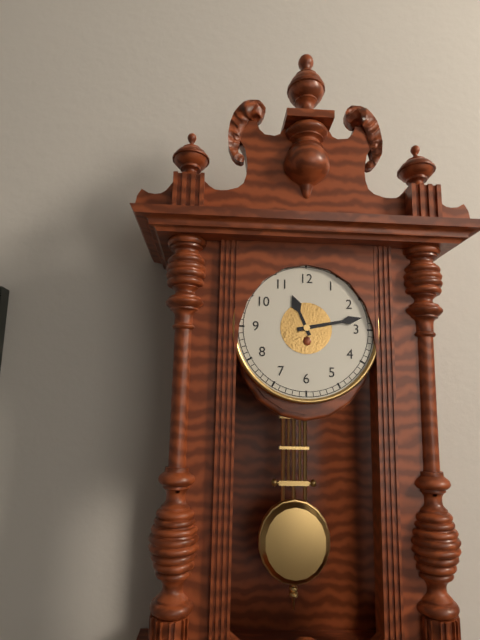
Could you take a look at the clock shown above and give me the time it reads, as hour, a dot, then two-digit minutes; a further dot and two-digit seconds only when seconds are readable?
11.13
